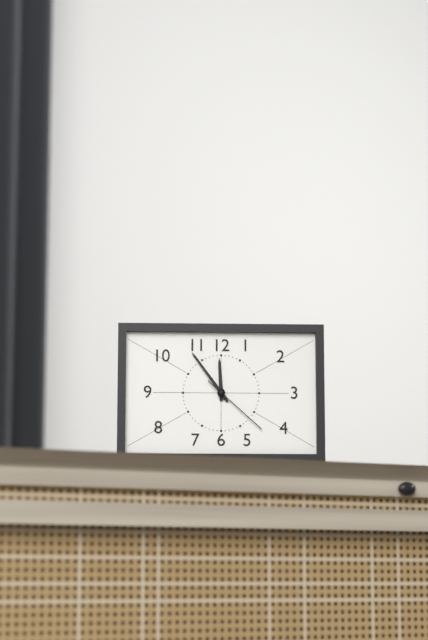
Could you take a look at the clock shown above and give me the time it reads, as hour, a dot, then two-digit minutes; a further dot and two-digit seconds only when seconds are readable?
11.54.22
